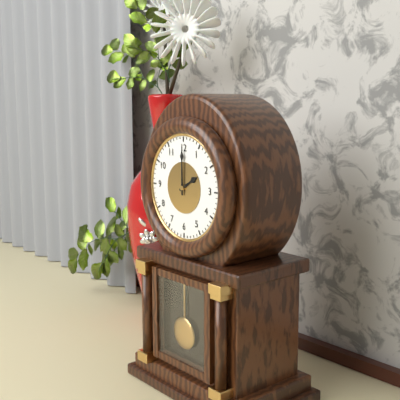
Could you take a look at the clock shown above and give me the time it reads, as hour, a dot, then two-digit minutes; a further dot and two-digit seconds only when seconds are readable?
2.00
